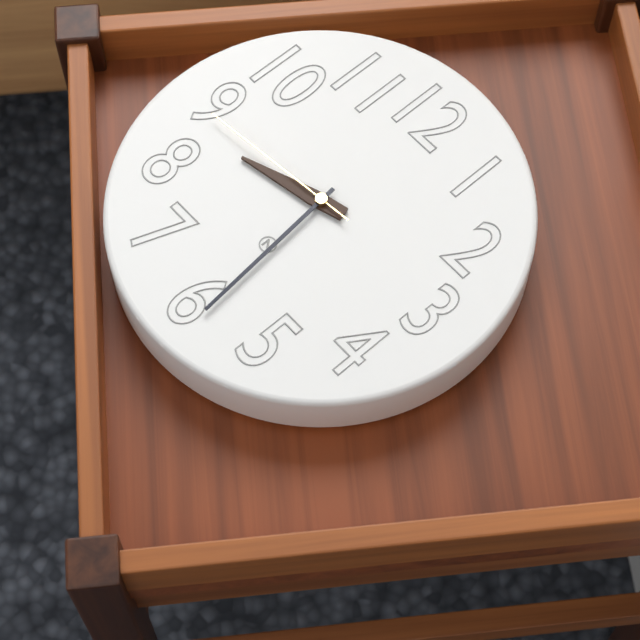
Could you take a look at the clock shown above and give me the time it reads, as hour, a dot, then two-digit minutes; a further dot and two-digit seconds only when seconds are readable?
8.29.44
